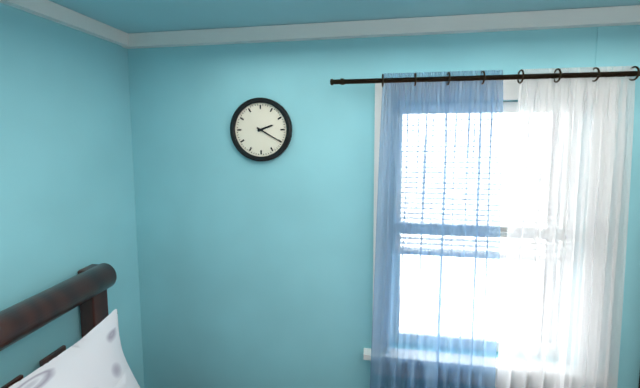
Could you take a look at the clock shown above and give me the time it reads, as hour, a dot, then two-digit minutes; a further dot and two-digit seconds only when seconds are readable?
2.20
